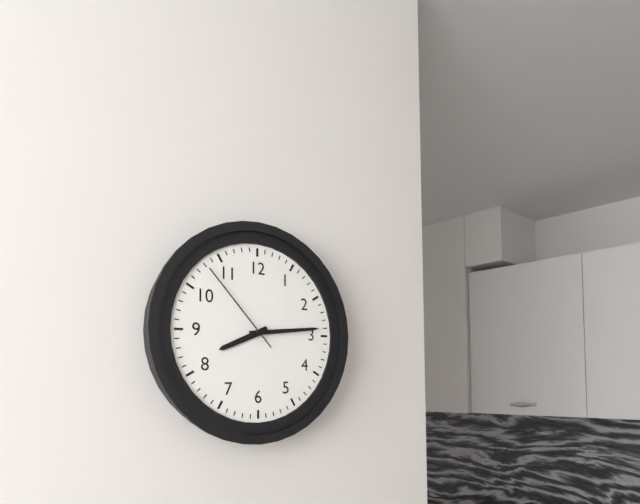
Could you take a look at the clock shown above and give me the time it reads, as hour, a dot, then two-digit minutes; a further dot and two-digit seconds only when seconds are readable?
8.14.53
